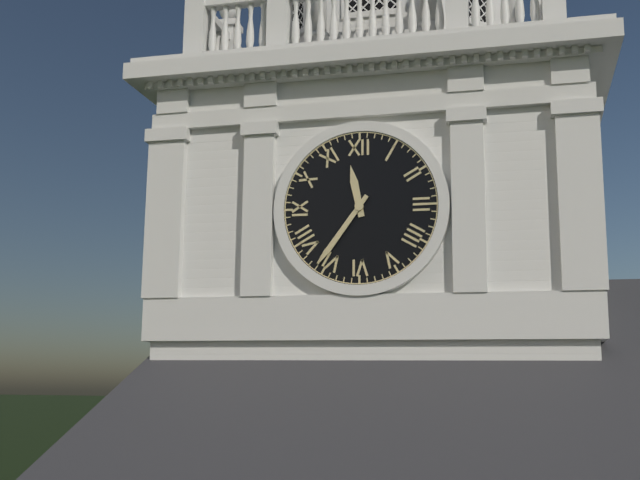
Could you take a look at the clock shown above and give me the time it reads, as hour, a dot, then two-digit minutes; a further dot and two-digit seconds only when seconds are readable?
11.36
